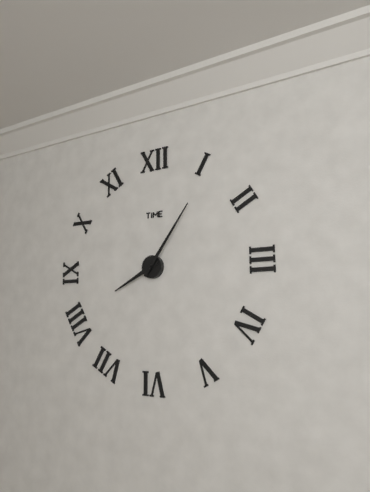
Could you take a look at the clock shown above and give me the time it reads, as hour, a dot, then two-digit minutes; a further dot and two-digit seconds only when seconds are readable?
8.06
